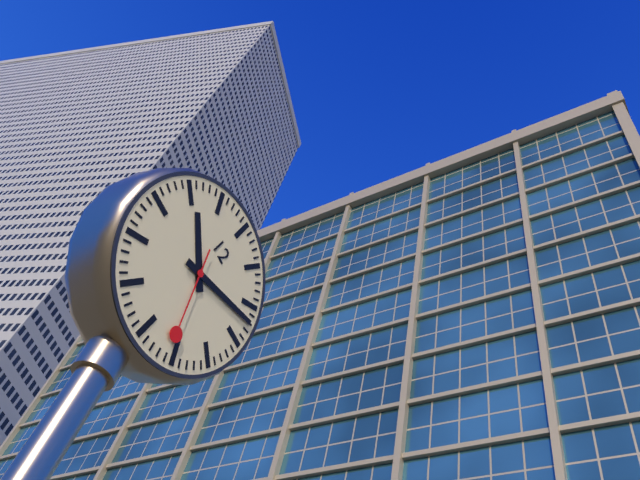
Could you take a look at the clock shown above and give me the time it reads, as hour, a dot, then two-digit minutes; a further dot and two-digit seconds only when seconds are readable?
10.12.26
